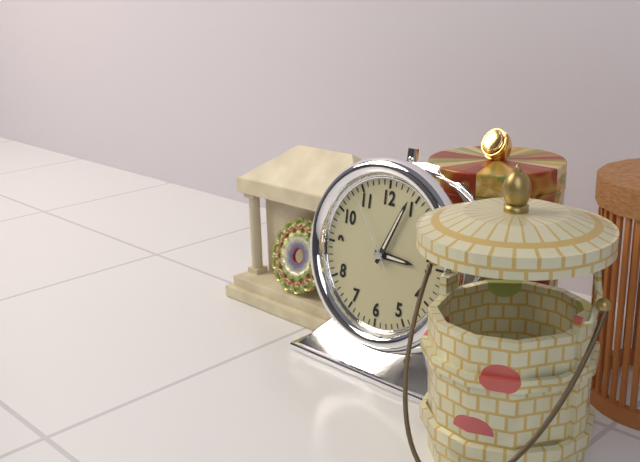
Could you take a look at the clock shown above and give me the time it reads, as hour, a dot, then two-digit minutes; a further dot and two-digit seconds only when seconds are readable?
3.04.54
